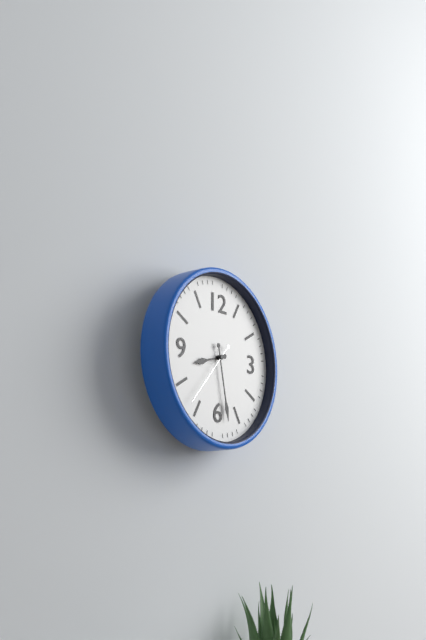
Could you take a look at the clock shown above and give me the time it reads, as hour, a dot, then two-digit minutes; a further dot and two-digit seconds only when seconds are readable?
8.28.37
